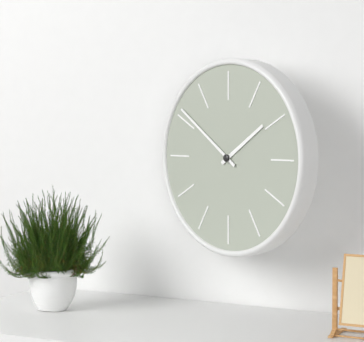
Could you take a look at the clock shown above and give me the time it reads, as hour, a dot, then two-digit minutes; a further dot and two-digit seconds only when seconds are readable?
1.51
